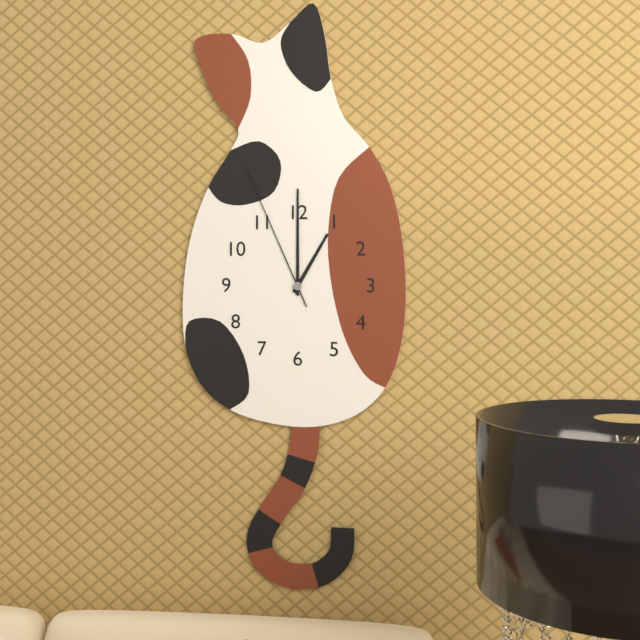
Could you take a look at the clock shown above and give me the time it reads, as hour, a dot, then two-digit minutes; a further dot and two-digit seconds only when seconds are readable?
1.00.56
